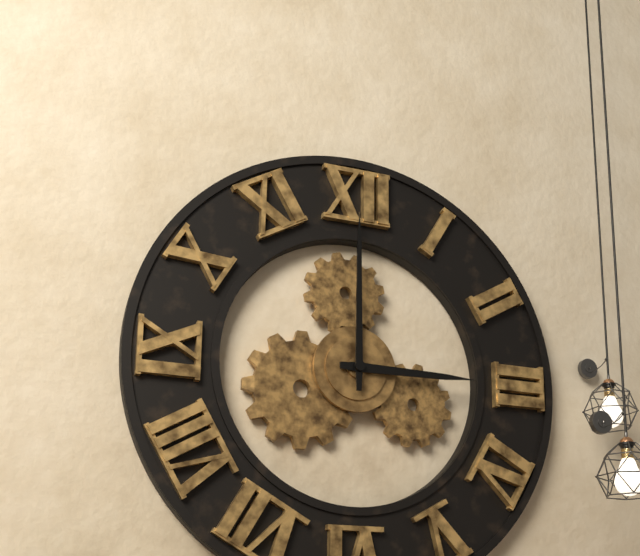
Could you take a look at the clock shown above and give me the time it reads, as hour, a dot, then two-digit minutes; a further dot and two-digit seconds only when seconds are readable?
3.00
